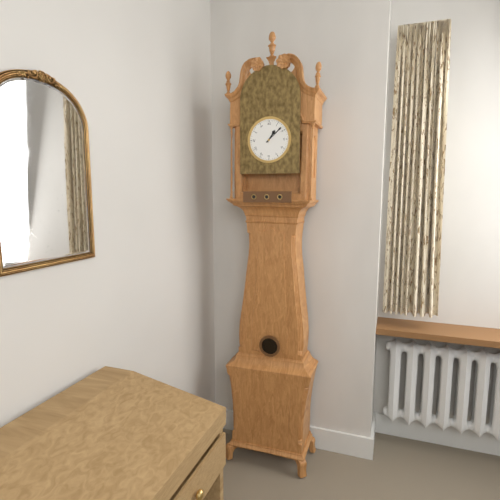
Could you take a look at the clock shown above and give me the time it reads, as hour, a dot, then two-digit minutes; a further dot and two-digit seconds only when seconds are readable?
1.08
